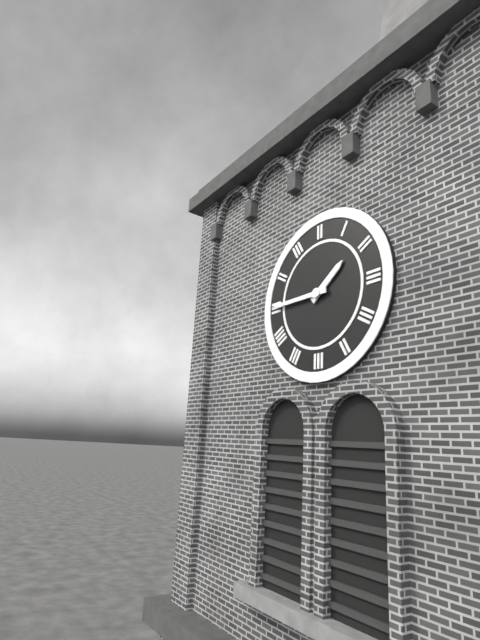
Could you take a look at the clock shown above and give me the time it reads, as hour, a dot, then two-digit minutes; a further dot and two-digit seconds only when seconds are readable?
1.45
